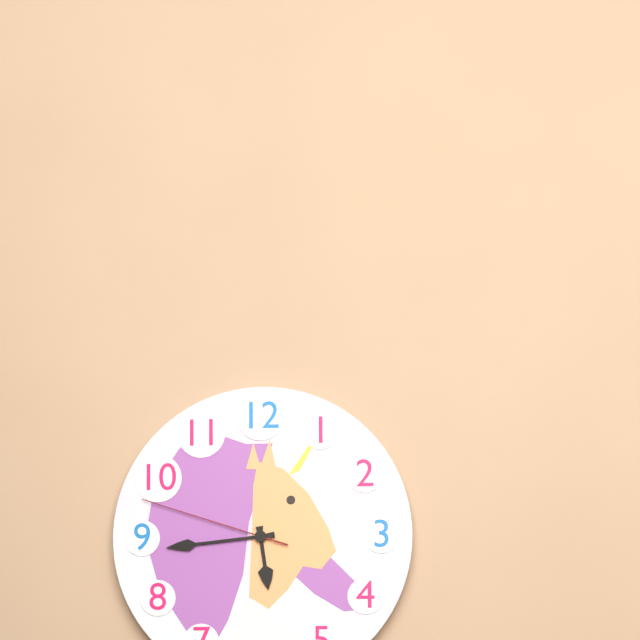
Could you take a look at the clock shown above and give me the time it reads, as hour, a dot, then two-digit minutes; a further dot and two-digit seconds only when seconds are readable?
5.44.48
